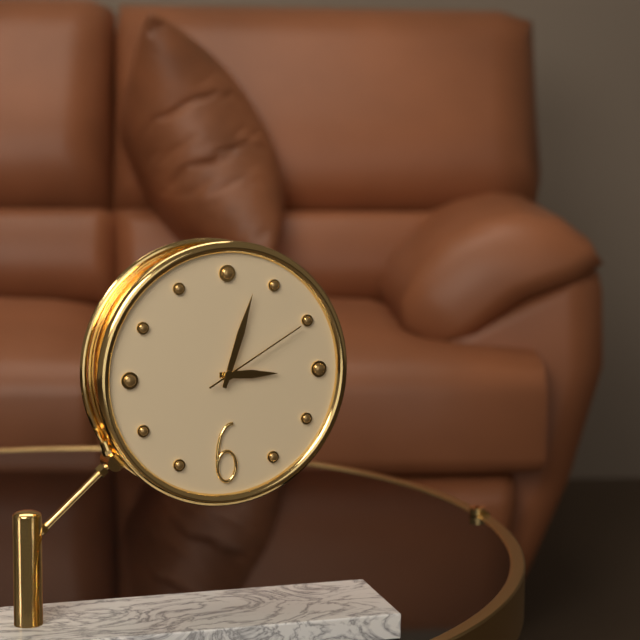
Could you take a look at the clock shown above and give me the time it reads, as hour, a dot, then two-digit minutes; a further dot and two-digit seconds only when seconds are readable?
3.03.10
